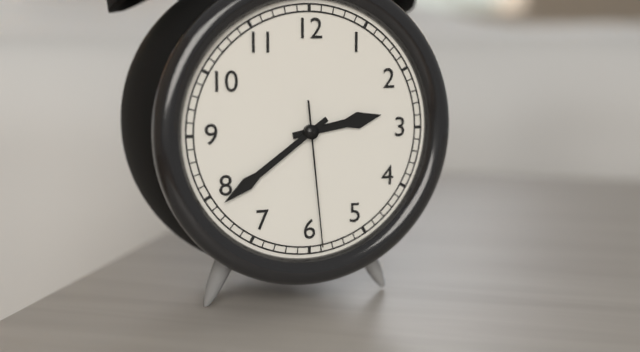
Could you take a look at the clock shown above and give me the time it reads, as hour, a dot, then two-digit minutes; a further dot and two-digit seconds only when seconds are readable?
2.39.29
